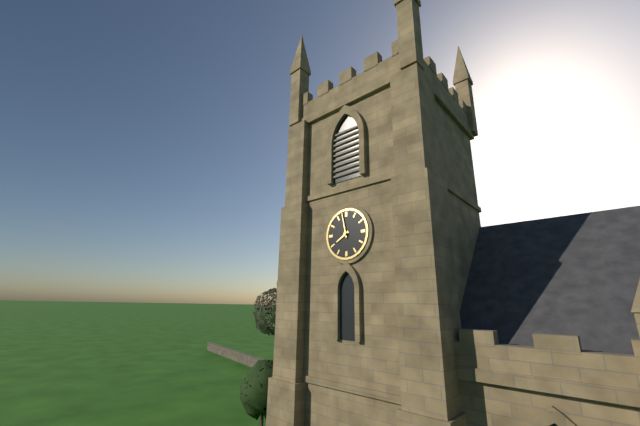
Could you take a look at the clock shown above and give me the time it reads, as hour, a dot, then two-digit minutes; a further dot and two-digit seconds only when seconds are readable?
7.58
